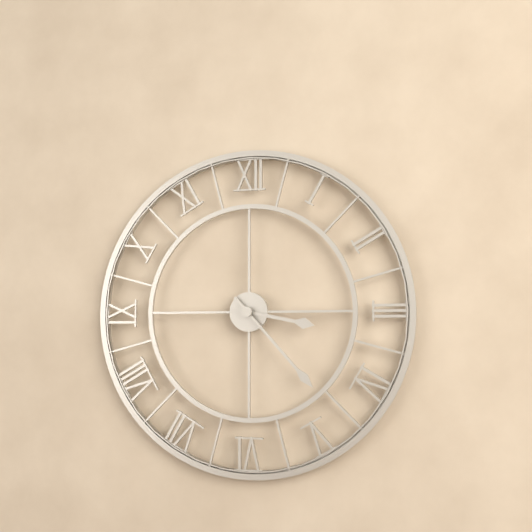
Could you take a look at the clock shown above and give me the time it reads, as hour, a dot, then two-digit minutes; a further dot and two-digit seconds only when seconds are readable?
3.23
